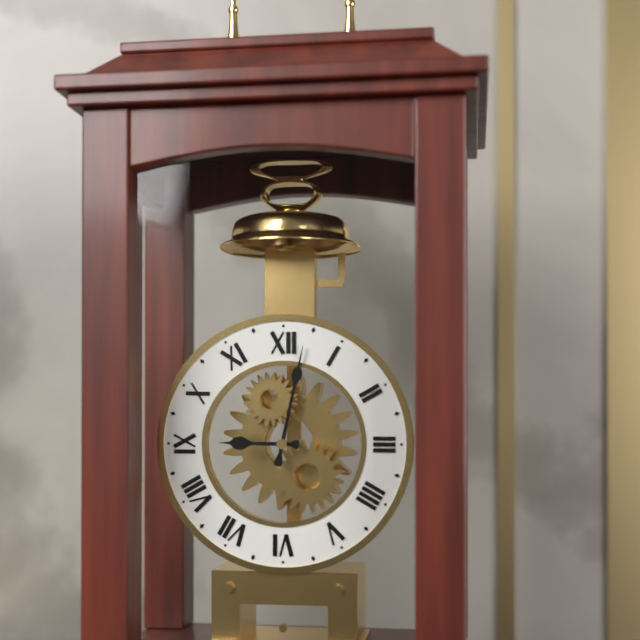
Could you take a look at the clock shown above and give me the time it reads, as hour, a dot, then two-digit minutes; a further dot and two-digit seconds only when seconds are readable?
9.02
